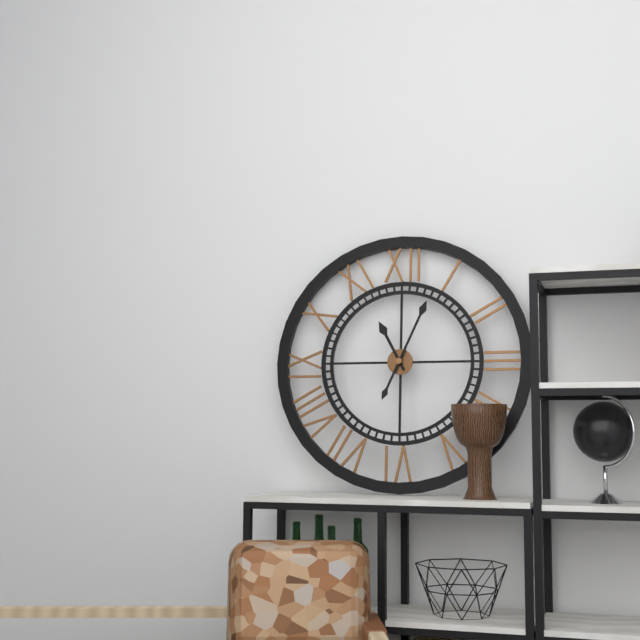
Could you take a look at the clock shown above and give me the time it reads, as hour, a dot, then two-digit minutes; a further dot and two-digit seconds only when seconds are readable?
11.04
